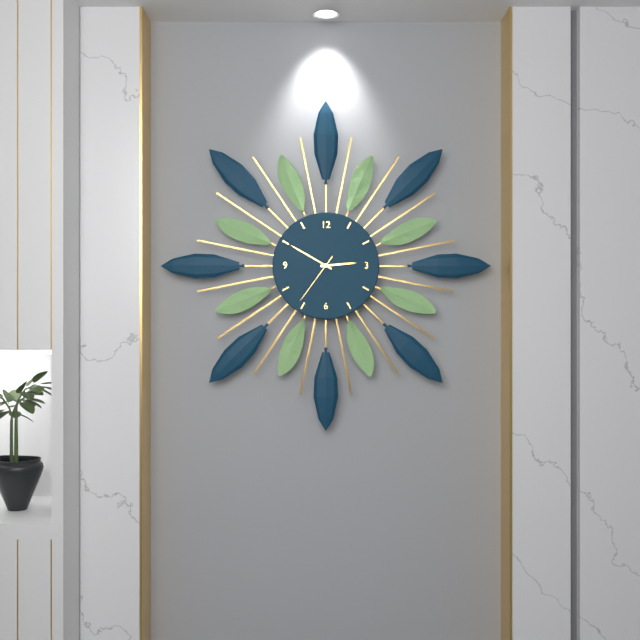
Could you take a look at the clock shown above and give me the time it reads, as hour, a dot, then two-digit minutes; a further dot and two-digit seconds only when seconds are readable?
2.50.36
